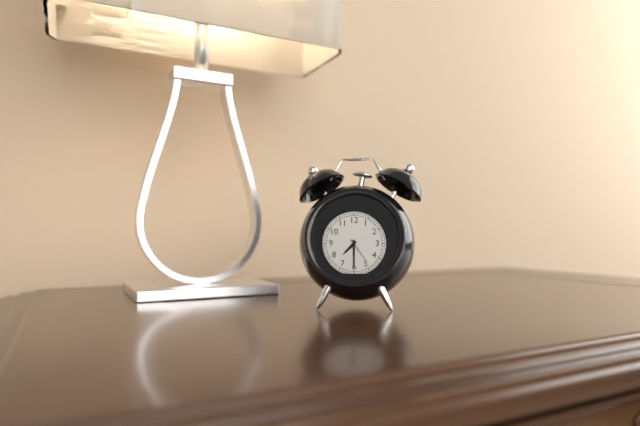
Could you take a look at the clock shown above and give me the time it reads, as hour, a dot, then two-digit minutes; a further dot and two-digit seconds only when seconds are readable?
7.30
